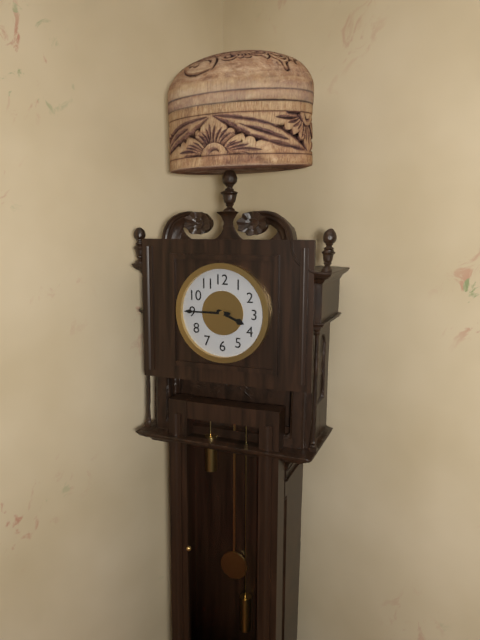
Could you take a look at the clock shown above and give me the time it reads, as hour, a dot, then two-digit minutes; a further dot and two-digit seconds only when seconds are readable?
3.45
